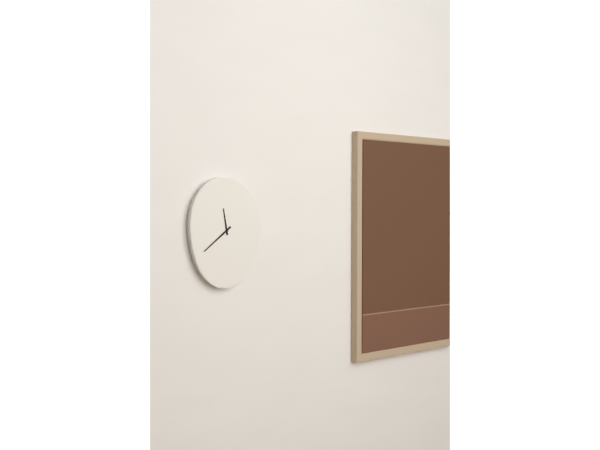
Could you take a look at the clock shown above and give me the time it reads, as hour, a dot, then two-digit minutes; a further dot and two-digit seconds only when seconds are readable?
11.39
